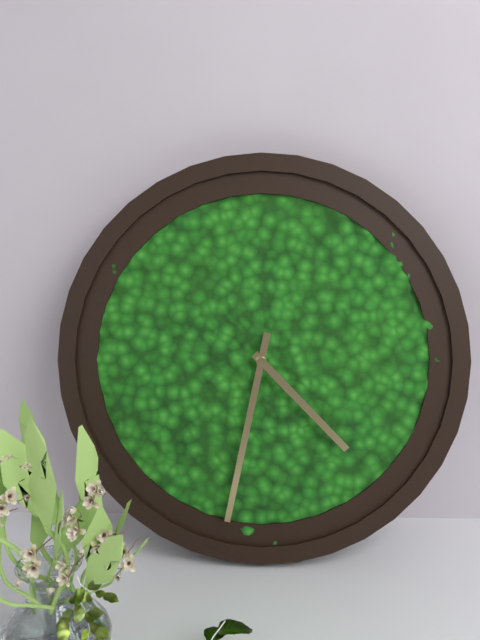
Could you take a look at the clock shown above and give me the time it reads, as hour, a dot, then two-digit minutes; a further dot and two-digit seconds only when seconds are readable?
4.32
